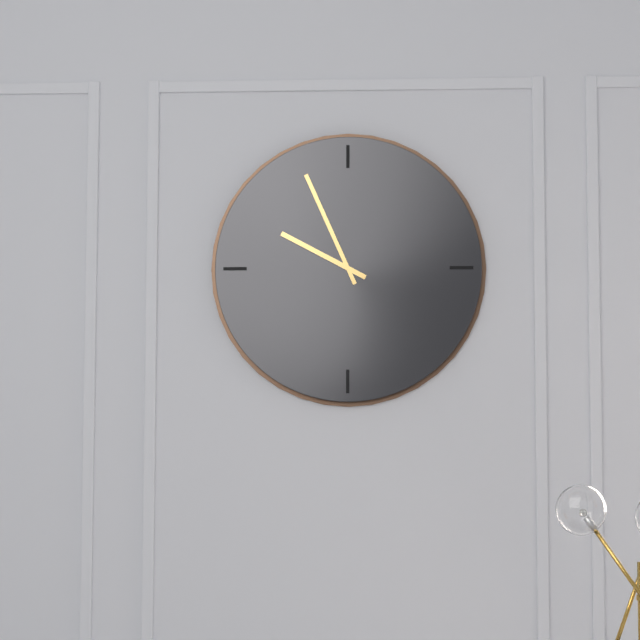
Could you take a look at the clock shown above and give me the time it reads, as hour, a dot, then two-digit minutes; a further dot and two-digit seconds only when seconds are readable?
9.56
